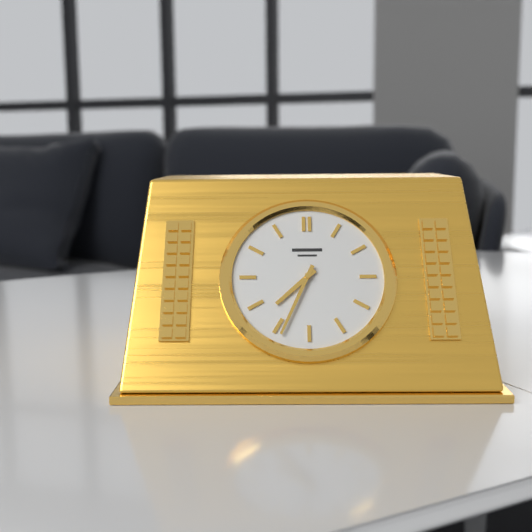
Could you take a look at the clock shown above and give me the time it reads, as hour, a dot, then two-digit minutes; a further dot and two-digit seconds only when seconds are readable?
7.34
